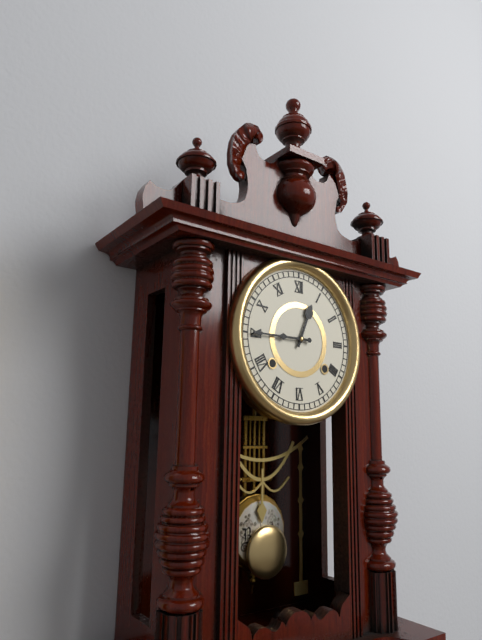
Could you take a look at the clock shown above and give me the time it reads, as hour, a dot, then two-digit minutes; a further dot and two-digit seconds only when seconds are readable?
12.45
